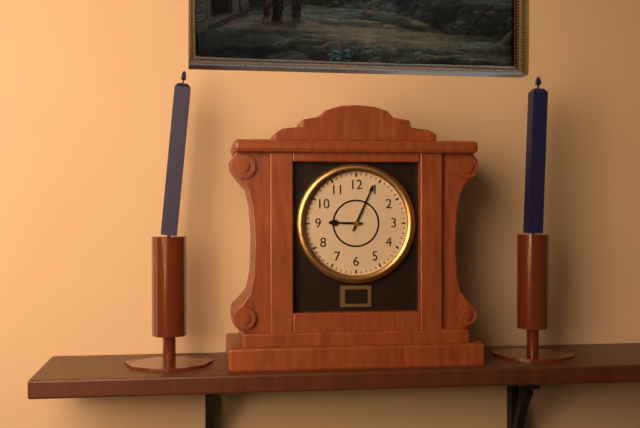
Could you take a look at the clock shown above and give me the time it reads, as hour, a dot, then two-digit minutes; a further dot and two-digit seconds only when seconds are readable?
9.04
